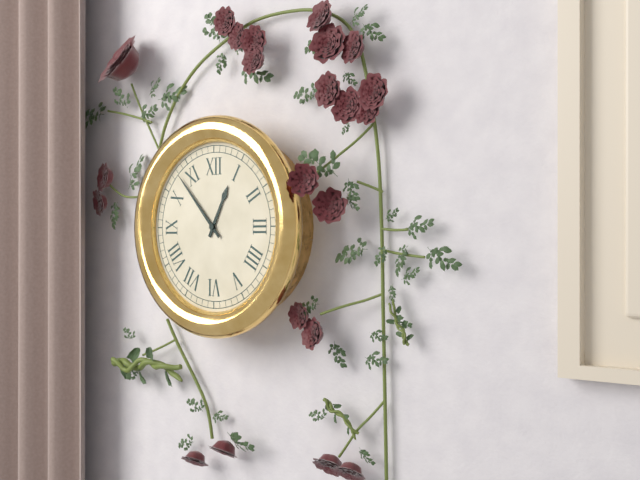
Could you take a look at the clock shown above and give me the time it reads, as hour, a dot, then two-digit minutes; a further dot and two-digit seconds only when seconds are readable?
12.53
